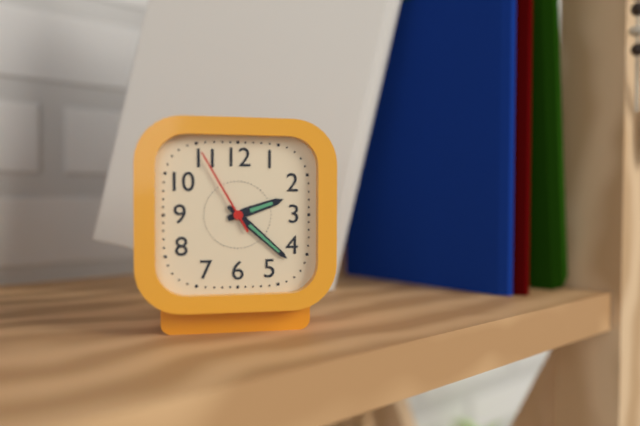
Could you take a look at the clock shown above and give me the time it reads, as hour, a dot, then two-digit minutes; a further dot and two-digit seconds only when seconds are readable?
2.22.55
